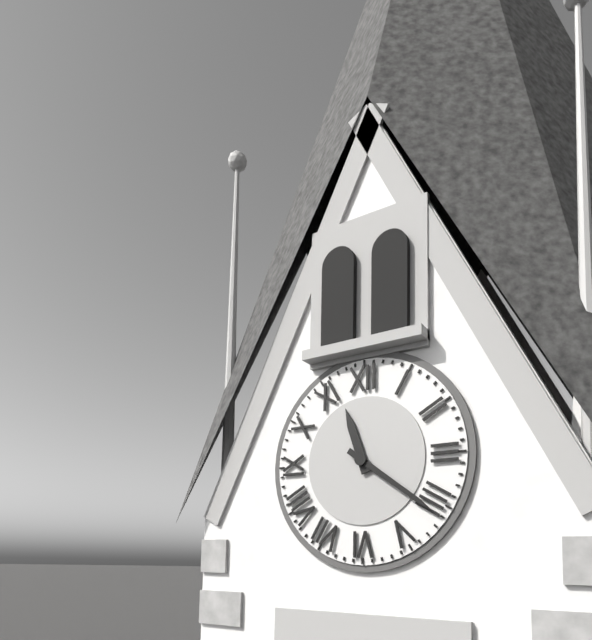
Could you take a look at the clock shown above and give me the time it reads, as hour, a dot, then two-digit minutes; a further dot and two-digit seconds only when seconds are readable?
11.21
